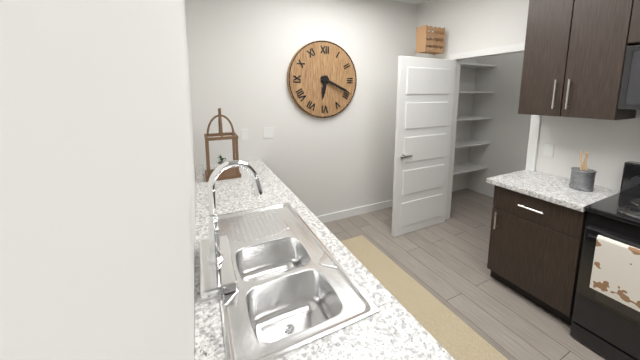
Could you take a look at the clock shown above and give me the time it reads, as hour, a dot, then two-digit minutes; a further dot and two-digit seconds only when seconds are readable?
6.19
